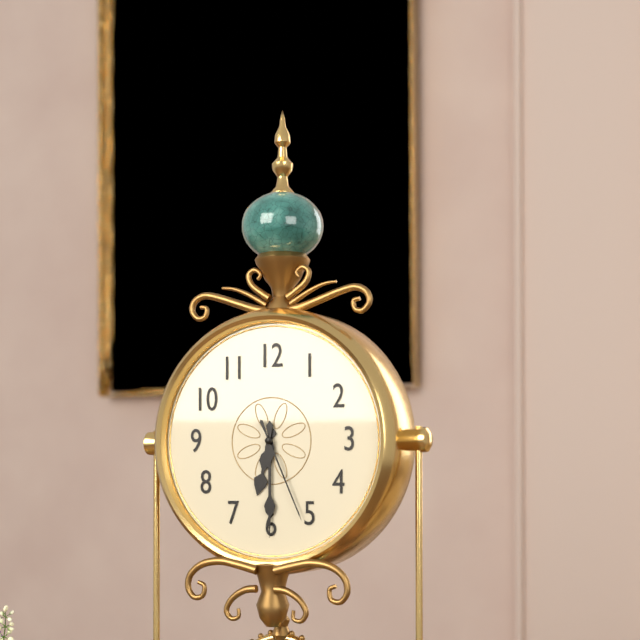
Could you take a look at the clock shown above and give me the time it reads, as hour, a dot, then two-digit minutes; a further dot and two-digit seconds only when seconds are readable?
6.30.26
